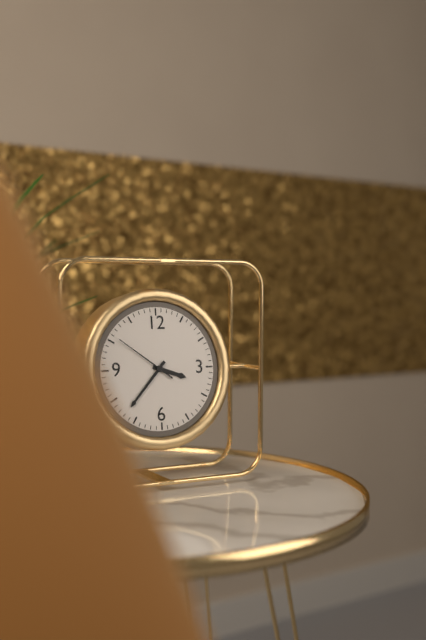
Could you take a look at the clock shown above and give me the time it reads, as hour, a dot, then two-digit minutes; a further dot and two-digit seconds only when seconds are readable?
3.37.51
